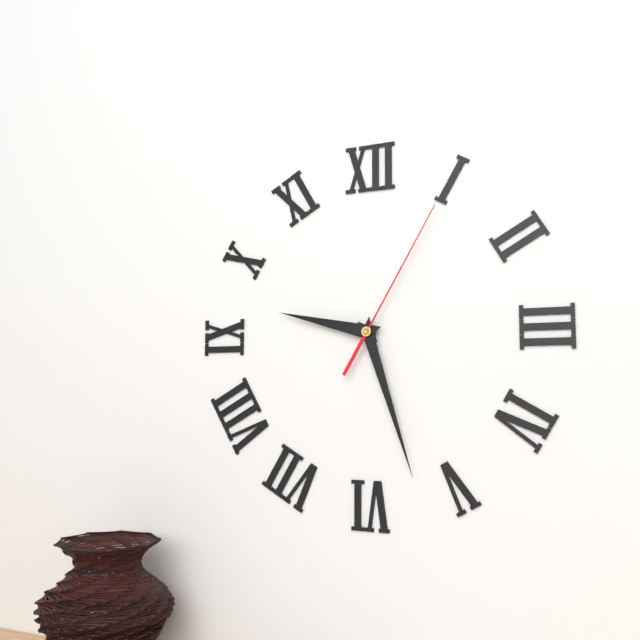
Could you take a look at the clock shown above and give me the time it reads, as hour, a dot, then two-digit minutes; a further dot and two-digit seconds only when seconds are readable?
9.27.05
